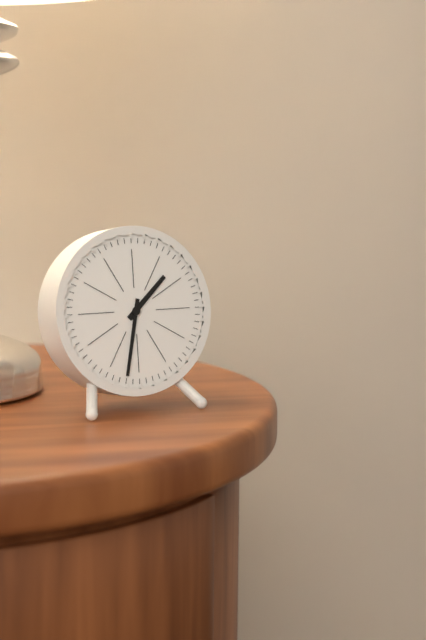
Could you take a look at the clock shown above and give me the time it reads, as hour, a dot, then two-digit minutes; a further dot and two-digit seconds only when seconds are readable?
1.32
